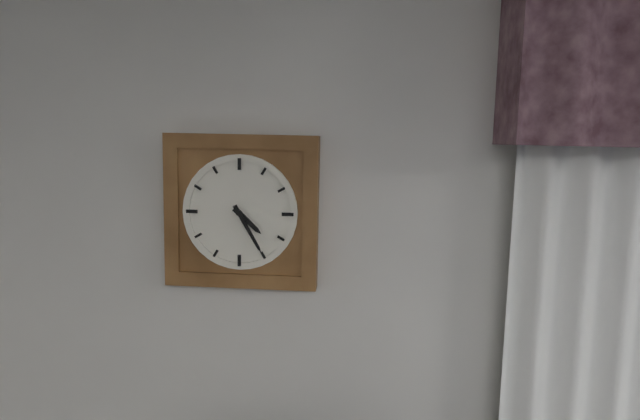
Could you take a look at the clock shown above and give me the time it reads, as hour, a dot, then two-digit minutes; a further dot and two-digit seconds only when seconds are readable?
4.25
